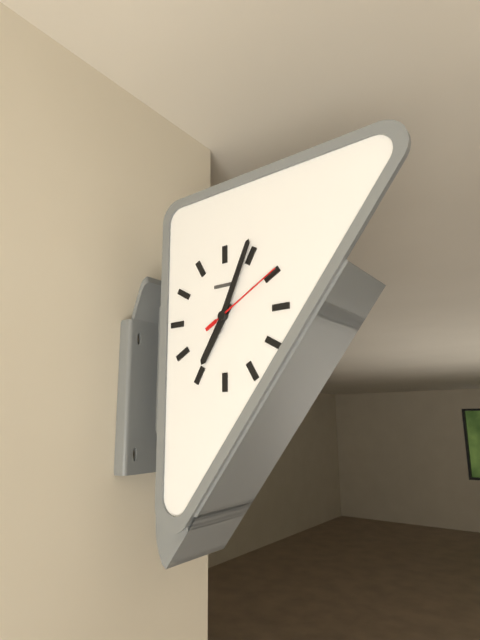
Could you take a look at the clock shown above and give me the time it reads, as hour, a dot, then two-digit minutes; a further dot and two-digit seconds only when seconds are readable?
7.04.10
